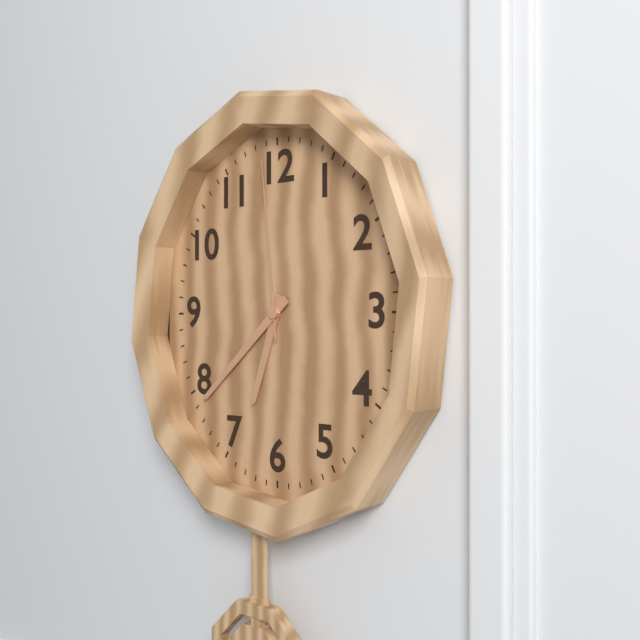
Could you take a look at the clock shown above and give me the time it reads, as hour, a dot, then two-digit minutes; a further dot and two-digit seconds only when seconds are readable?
6.38.59
